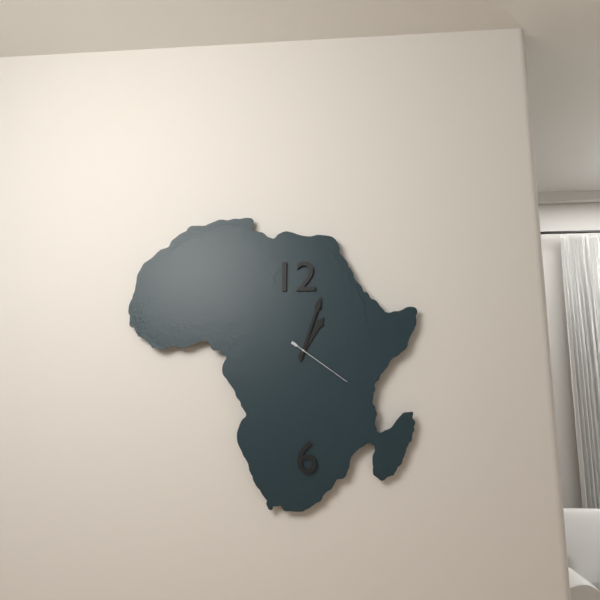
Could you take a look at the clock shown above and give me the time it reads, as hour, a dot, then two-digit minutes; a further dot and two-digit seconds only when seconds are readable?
1.03.21
